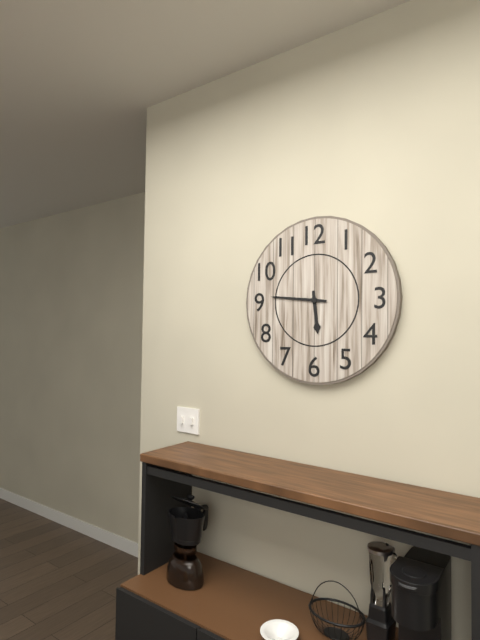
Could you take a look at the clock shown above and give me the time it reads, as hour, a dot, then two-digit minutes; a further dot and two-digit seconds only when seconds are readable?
5.46
